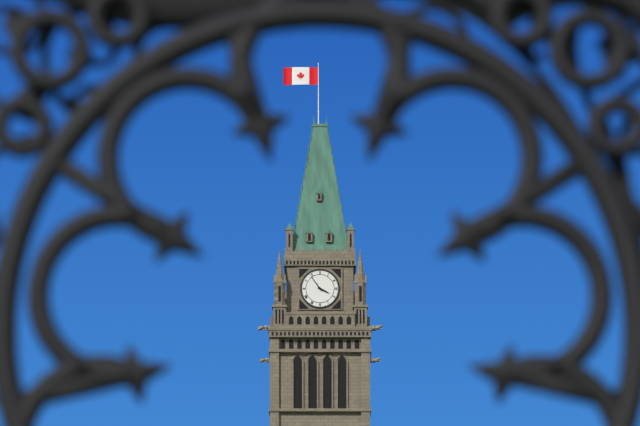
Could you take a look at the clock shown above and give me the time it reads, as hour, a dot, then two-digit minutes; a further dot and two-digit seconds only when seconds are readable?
3.54
